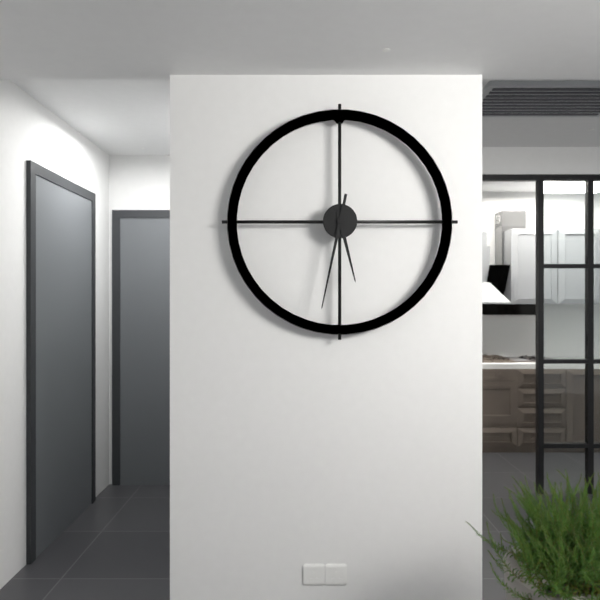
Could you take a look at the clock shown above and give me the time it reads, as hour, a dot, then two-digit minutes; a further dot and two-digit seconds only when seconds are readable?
5.32
